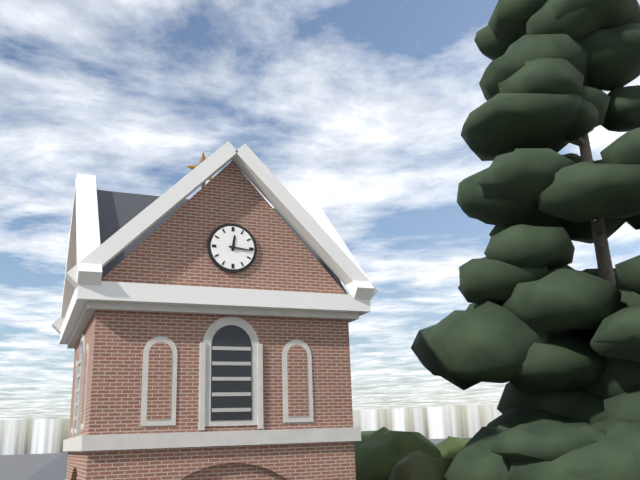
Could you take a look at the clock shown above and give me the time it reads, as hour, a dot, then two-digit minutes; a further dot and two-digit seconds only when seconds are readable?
12.16
